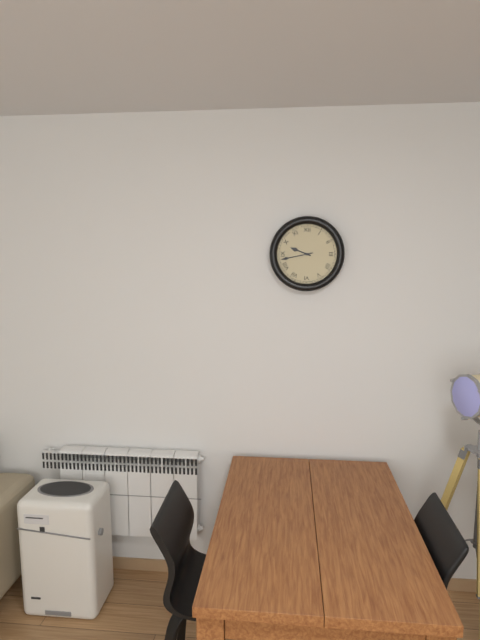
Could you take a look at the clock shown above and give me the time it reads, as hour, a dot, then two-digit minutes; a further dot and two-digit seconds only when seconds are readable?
9.43
